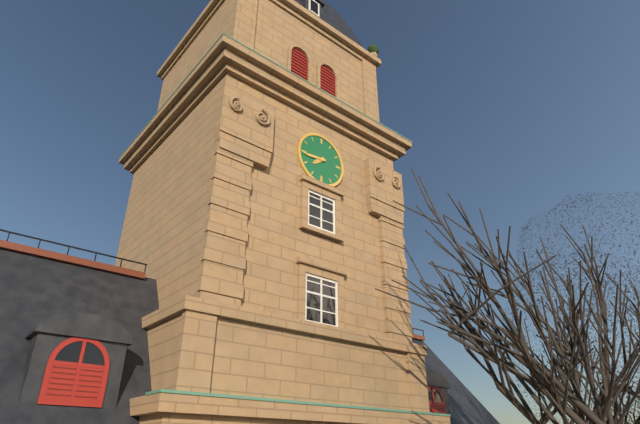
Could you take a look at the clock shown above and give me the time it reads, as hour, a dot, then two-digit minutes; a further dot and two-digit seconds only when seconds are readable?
7.44
